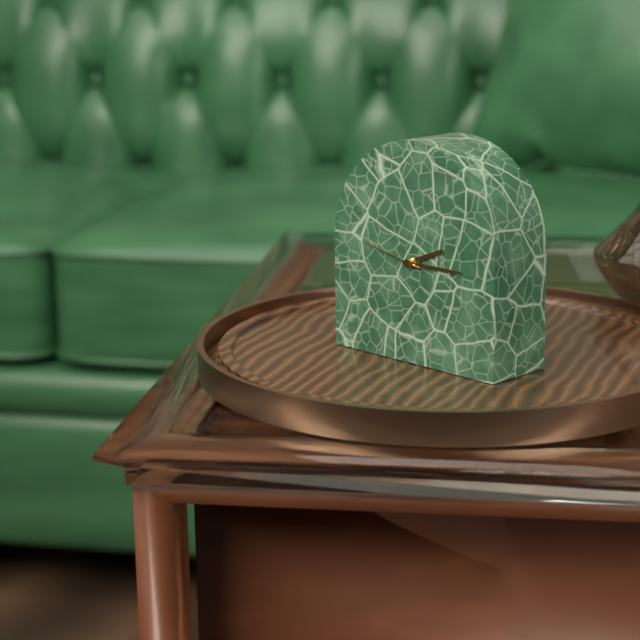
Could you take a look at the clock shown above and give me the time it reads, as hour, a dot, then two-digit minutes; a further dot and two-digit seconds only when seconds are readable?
2.15.47
